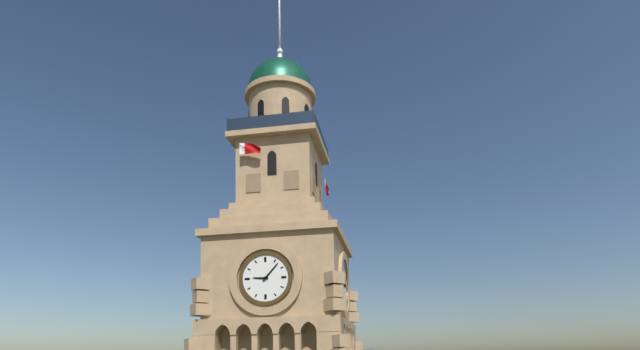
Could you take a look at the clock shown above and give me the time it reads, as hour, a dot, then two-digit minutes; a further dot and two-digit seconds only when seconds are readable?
9.07
